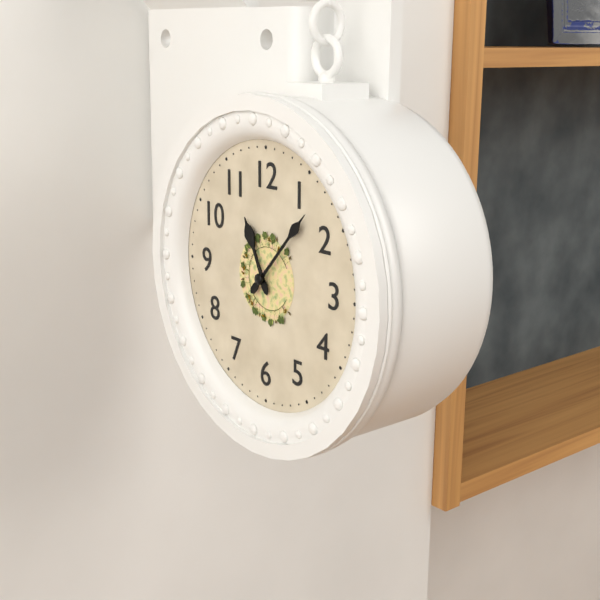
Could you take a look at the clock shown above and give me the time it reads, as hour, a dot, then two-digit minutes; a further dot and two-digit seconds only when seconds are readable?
11.07
